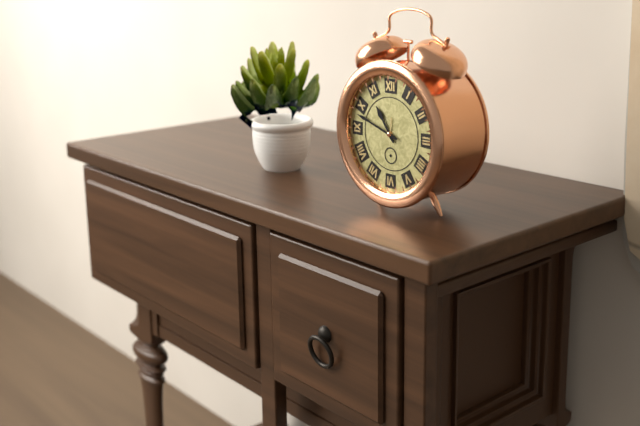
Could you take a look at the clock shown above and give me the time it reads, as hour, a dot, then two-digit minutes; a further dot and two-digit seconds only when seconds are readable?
10.48
